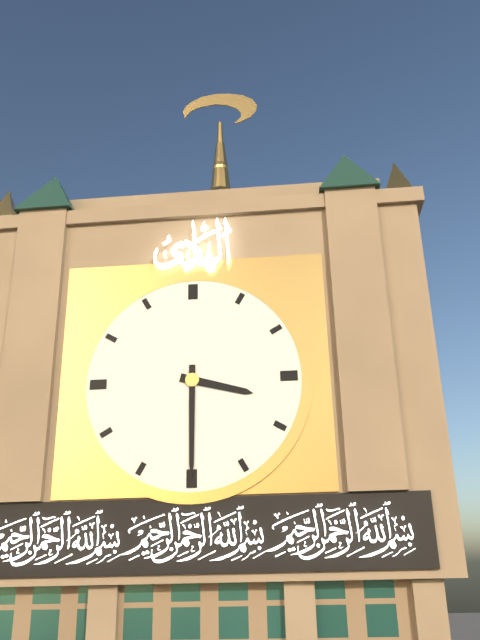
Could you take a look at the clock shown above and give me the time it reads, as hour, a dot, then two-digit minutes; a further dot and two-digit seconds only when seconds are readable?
3.30
